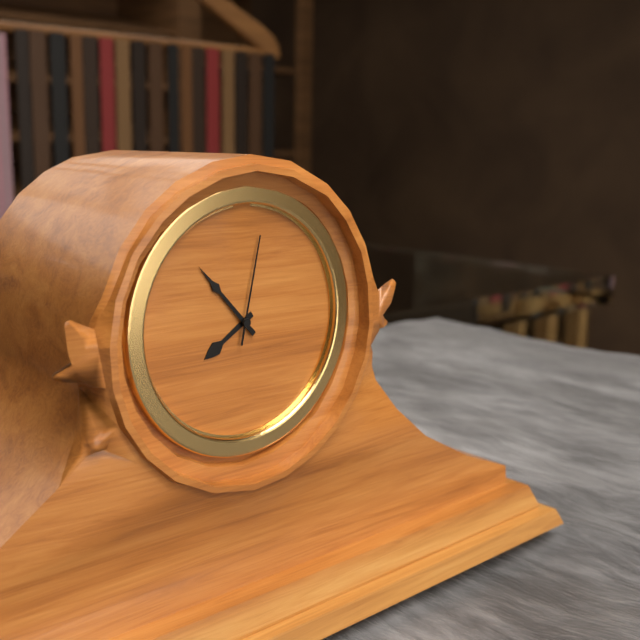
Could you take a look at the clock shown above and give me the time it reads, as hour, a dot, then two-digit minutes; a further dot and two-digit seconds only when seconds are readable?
7.53.02
